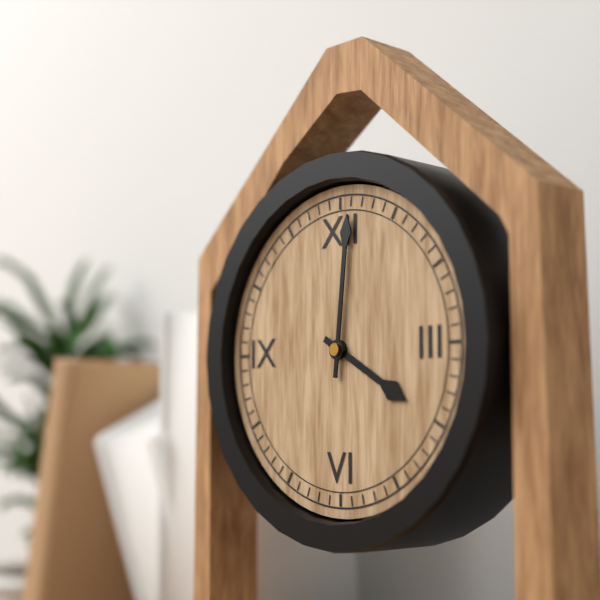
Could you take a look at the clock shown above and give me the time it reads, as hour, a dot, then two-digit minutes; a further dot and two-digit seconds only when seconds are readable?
4.01
